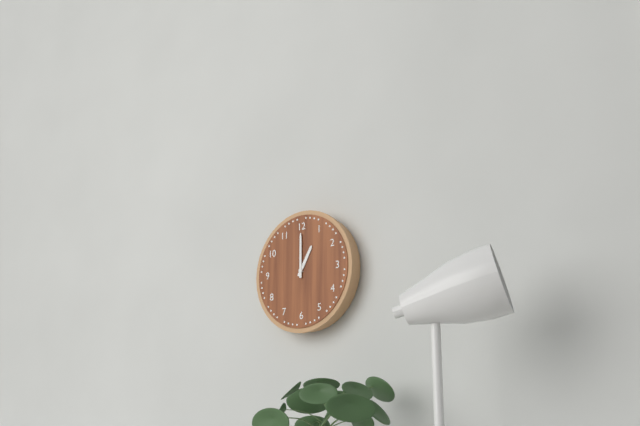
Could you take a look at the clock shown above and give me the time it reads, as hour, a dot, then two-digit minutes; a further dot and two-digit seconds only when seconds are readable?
1.00
